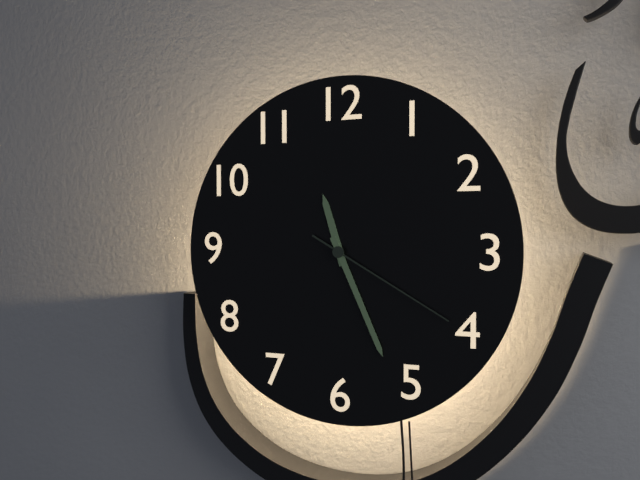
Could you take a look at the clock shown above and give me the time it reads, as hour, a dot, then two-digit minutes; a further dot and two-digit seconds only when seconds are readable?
11.26.20
